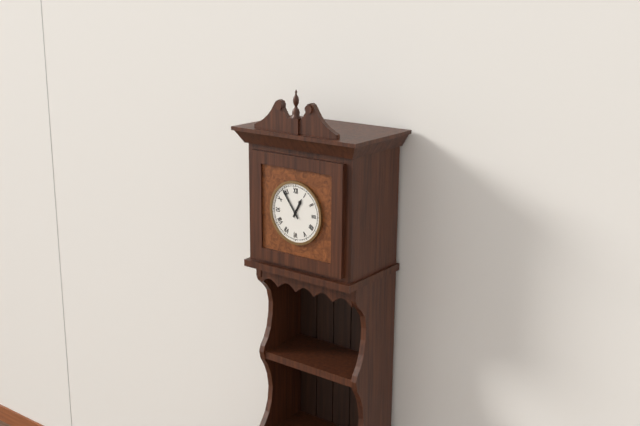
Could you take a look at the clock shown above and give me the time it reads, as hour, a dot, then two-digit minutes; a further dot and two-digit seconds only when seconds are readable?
12.54
